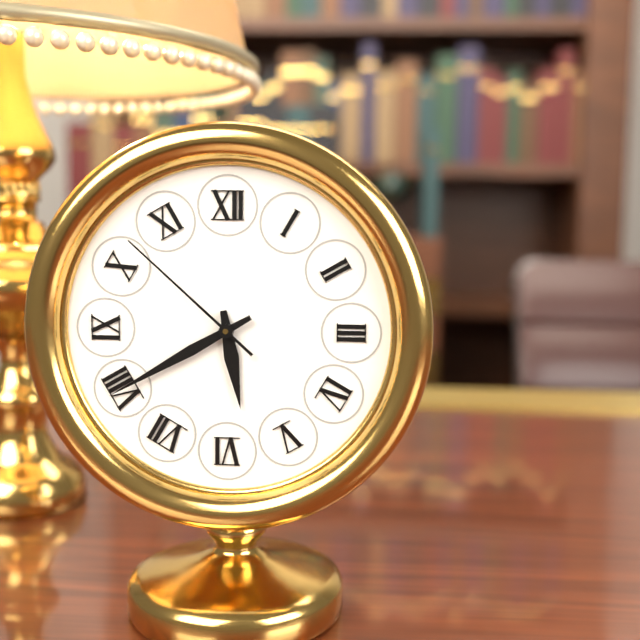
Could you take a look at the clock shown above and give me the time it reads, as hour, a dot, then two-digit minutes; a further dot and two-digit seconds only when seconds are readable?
5.40.52
